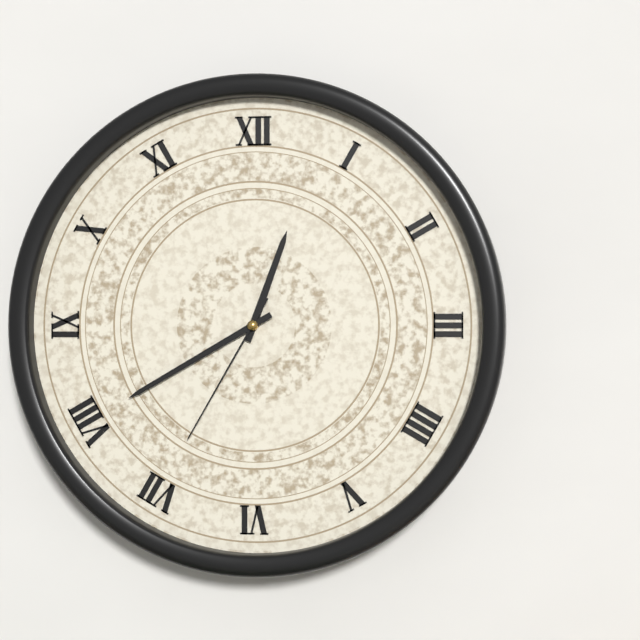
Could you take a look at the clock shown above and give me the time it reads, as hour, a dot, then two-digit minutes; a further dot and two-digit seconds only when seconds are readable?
12.40.35
